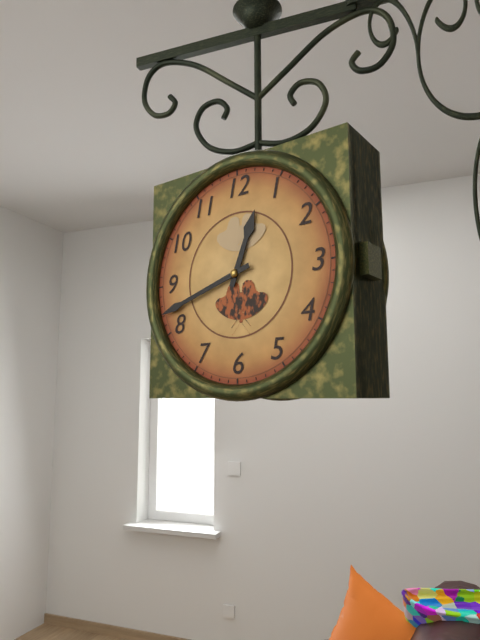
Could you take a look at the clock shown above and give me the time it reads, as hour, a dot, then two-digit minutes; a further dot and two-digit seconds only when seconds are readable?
12.42
